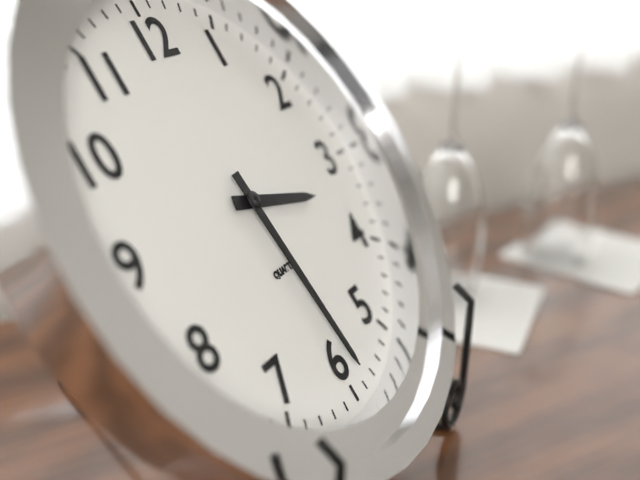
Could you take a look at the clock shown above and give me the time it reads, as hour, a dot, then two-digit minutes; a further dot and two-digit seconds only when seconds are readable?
3.29
